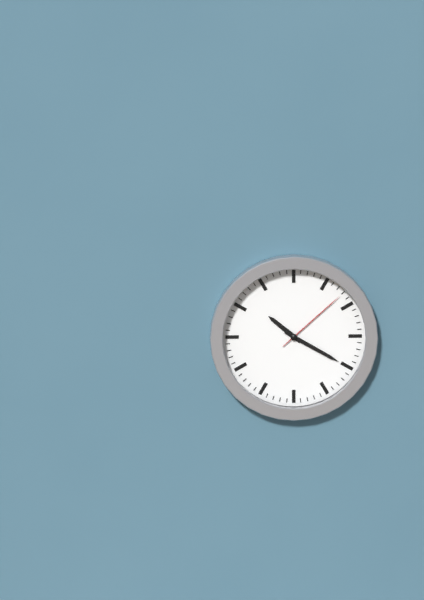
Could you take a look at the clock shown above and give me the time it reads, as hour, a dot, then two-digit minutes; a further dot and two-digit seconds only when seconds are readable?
10.20.08
